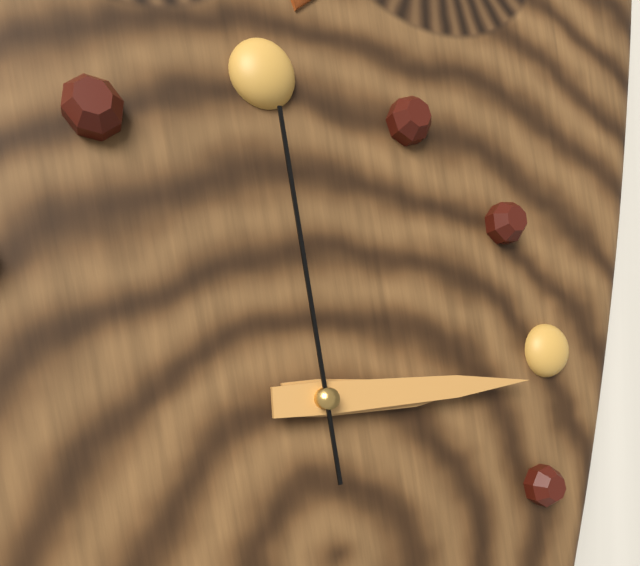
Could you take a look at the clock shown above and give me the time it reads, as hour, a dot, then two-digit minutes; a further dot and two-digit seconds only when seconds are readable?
3.16.00
